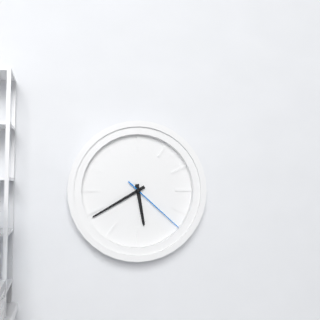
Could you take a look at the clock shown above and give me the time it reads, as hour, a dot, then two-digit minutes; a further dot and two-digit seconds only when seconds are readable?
5.40.22
